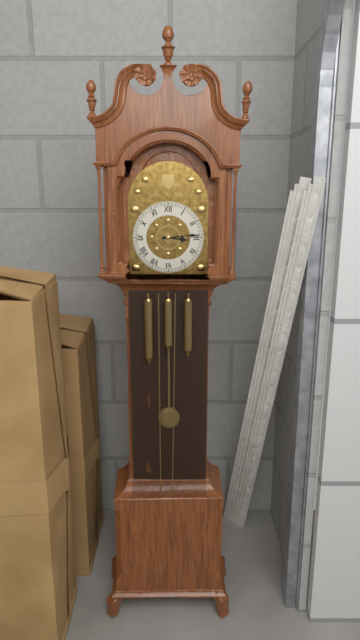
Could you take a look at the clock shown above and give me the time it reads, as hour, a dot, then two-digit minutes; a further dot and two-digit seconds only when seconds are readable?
3.14
